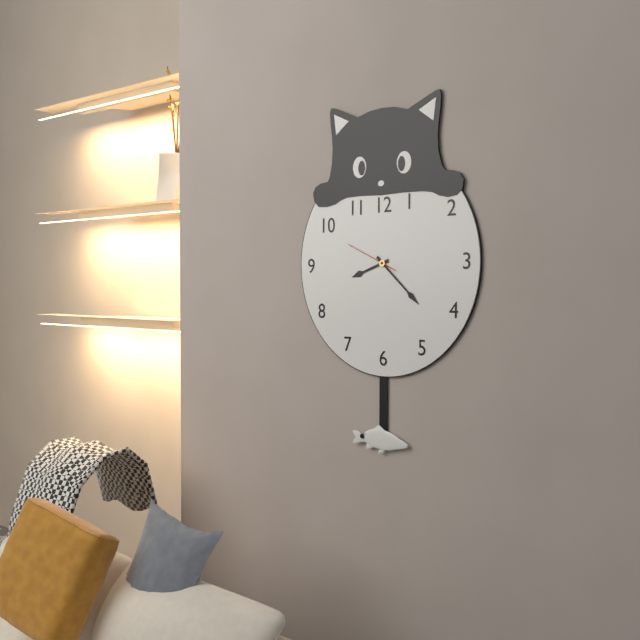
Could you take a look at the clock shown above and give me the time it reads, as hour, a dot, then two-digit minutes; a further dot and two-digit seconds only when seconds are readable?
8.22
